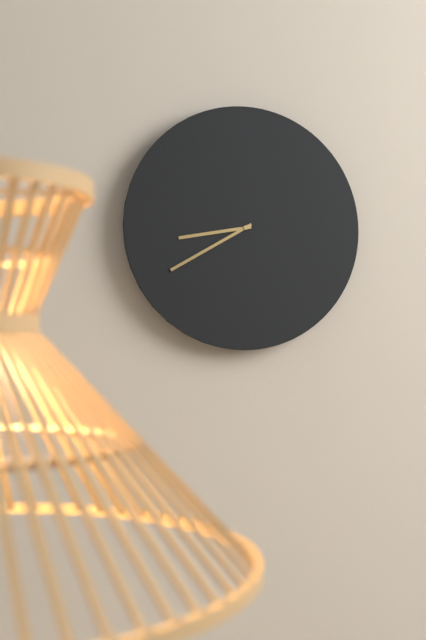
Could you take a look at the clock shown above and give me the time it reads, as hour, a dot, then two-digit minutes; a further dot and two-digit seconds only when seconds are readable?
8.40
